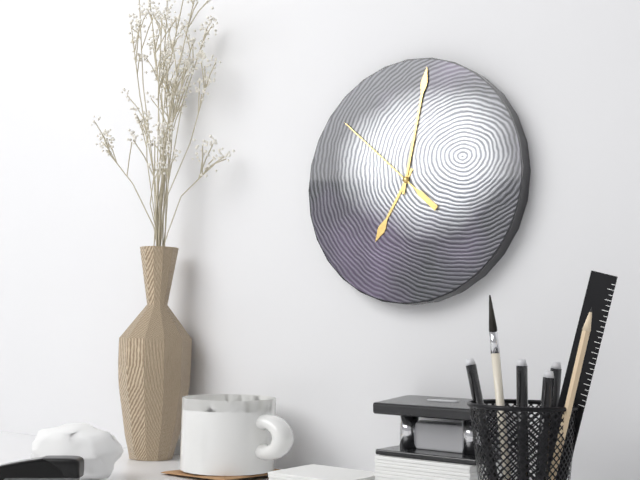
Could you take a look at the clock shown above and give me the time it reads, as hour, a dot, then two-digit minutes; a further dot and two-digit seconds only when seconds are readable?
7.02.52
